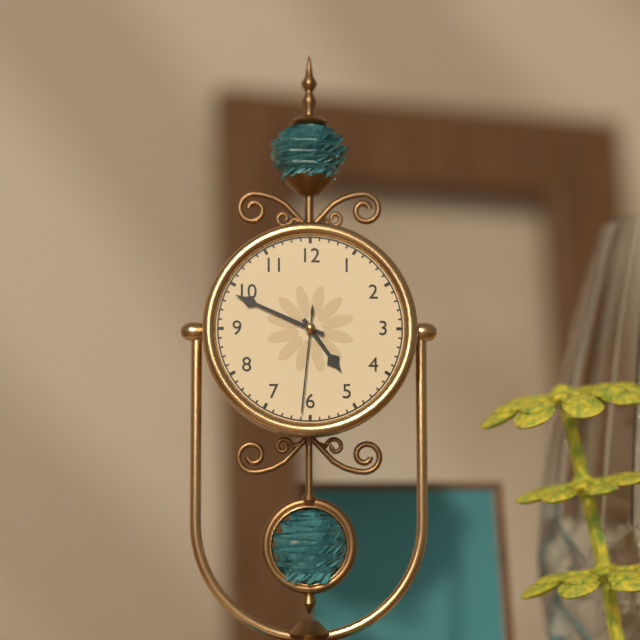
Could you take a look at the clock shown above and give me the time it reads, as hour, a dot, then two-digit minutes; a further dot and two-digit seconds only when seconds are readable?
4.49.31
